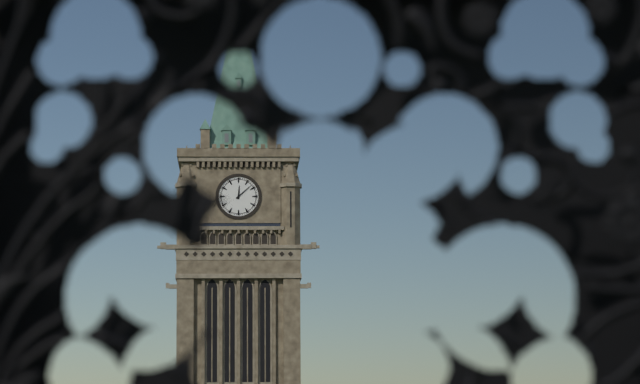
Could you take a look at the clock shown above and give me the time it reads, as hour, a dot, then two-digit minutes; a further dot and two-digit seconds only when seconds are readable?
12.08
